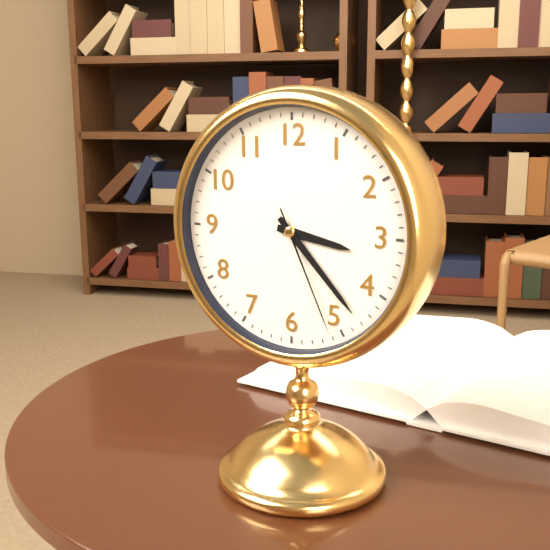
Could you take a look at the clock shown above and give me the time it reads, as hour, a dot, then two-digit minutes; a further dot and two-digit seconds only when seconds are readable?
3.23.26
